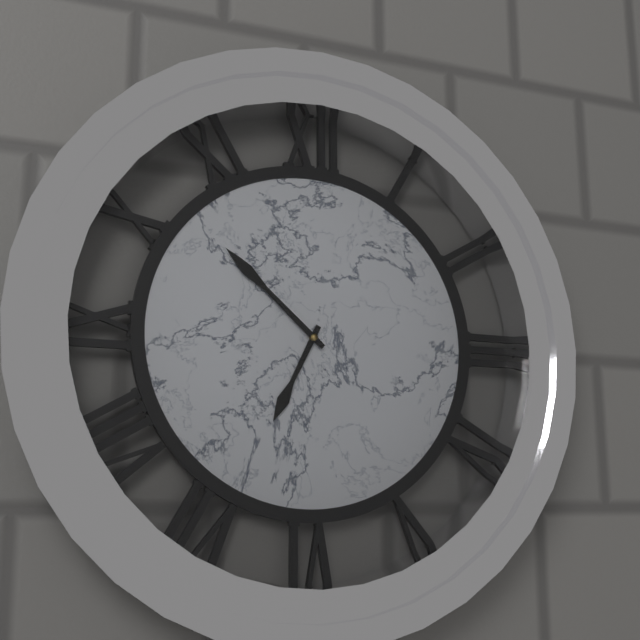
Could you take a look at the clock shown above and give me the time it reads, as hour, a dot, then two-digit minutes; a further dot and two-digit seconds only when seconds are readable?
6.52
